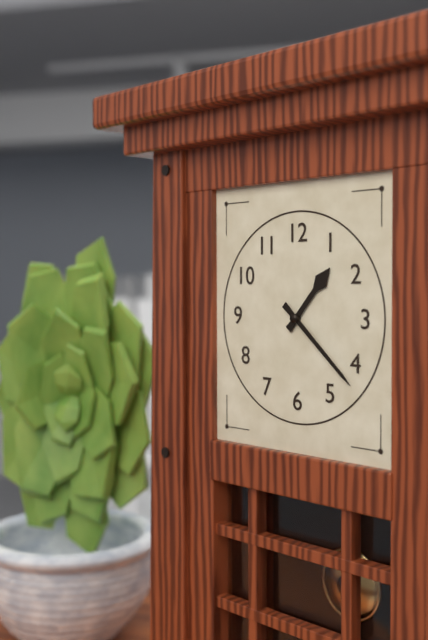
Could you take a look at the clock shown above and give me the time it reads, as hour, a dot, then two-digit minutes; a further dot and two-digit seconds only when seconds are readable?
1.22
